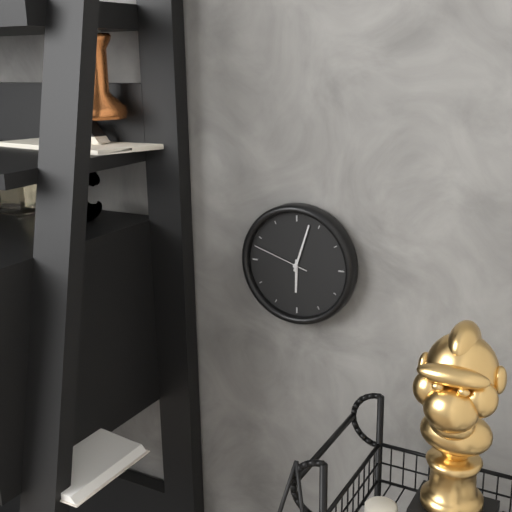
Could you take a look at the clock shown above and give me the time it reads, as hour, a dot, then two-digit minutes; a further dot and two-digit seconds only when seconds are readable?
6.03.48
